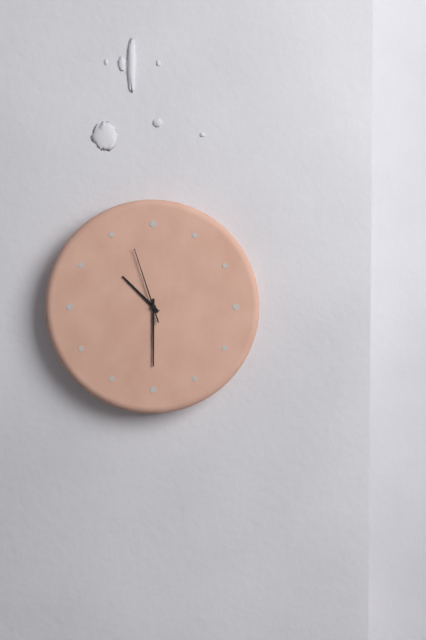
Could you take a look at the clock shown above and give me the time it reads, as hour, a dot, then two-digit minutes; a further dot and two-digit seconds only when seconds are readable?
10.30.57
